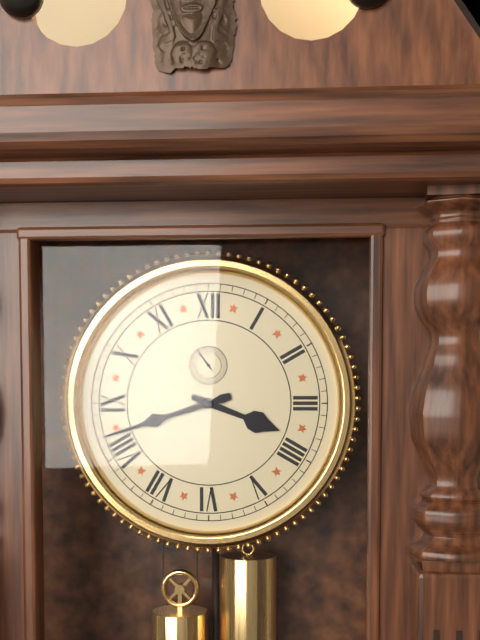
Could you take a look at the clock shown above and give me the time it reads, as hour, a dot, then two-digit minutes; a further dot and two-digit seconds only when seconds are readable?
3.42
